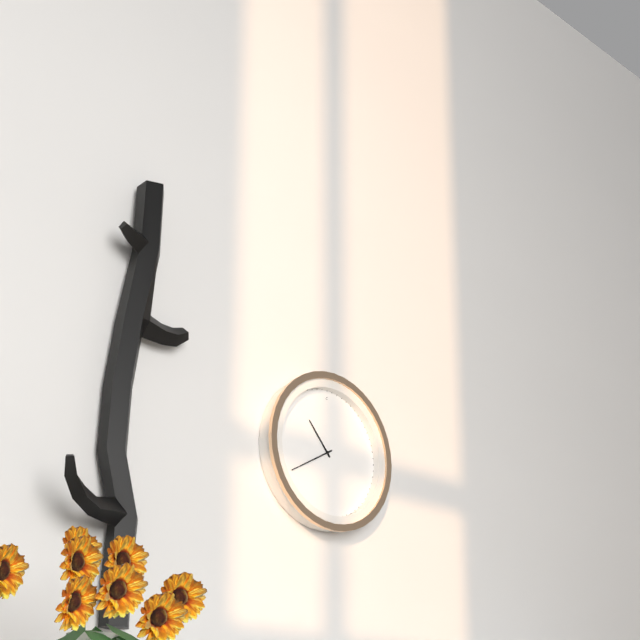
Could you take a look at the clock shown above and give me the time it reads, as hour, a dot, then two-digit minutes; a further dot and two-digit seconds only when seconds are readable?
10.40
